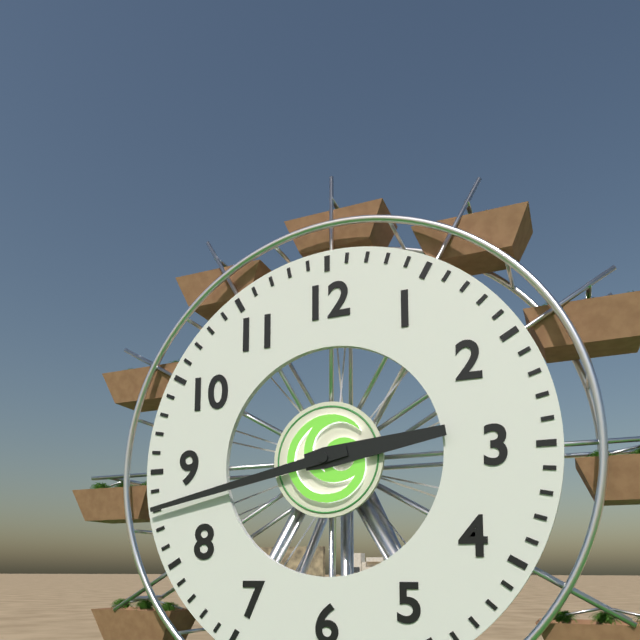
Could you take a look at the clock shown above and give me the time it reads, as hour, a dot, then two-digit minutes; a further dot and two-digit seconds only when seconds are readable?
2.43
